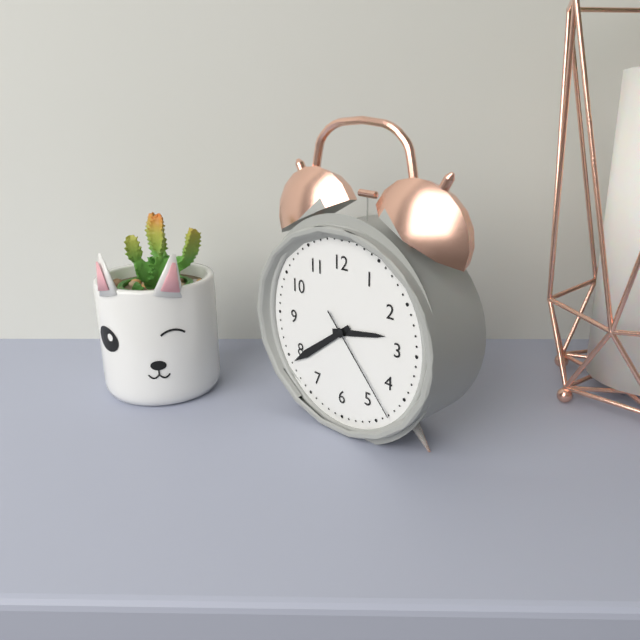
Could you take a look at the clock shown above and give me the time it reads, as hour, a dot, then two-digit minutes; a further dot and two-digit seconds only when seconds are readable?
2.39.23
